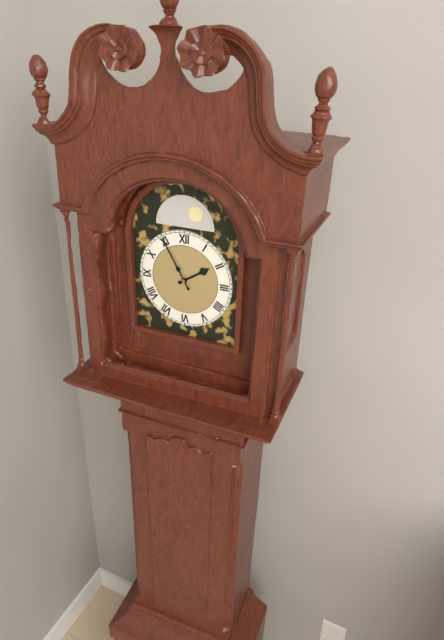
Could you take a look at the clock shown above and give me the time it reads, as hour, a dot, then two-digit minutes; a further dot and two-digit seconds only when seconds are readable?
1.55
